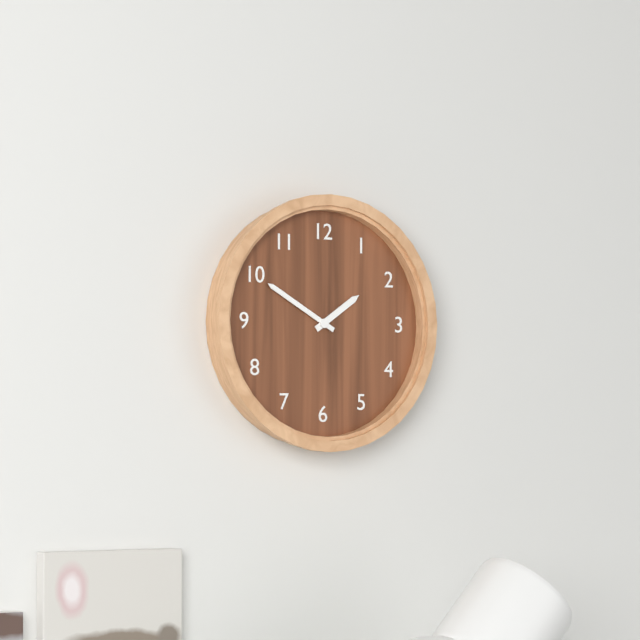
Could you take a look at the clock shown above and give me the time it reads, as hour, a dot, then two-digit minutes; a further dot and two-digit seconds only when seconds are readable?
1.50
